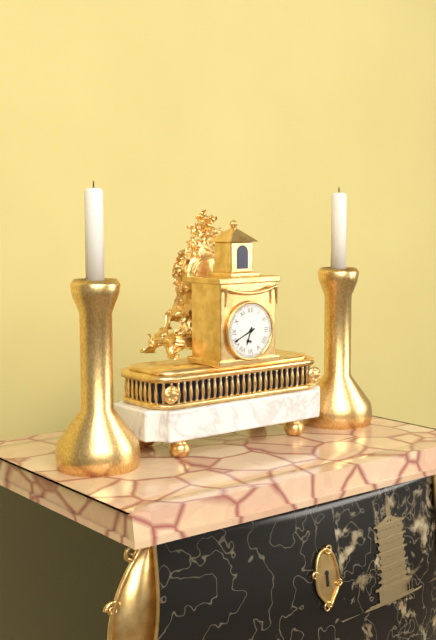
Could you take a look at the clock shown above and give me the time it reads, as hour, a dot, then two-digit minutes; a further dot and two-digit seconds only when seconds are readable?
6.41
